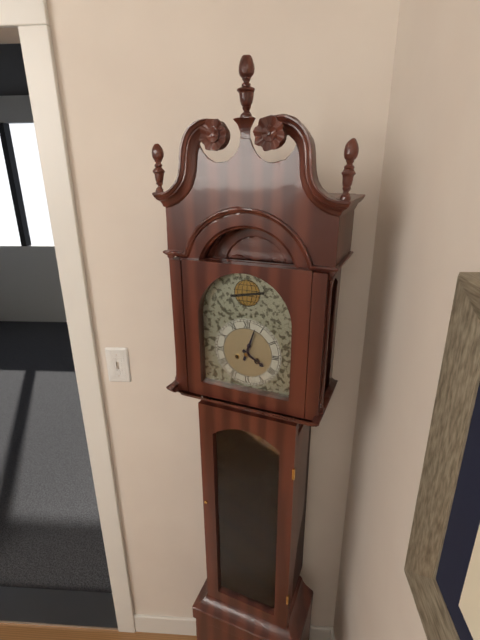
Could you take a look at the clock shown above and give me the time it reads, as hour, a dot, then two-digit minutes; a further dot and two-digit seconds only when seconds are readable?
4.03
